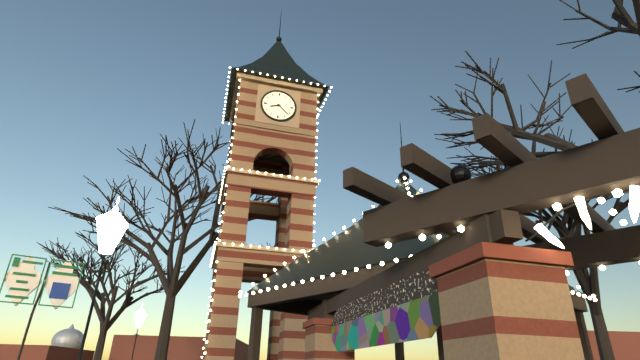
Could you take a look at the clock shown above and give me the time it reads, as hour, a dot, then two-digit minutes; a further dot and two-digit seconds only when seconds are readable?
8.22
